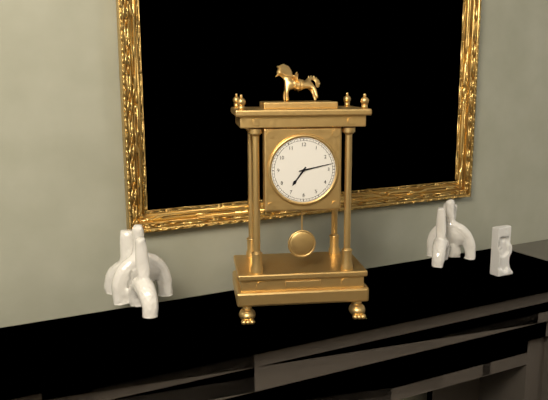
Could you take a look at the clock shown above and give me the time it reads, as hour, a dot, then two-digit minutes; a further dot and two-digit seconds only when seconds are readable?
7.13
